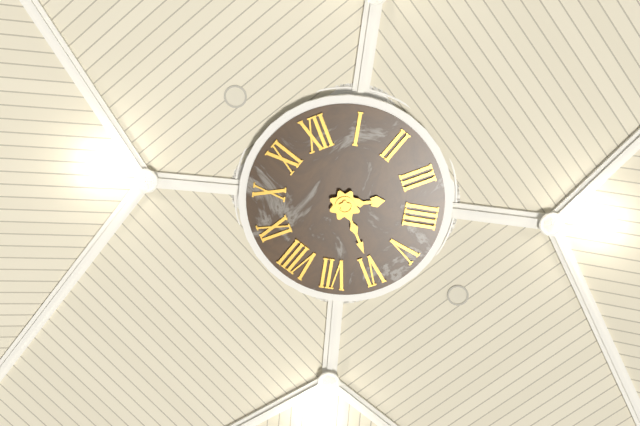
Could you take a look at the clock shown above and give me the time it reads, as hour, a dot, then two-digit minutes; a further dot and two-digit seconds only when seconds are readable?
3.30
